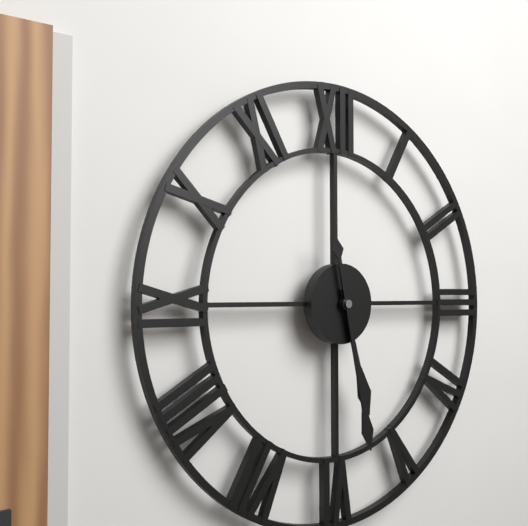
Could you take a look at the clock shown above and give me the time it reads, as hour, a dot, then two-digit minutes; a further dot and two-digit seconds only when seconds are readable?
5.28
